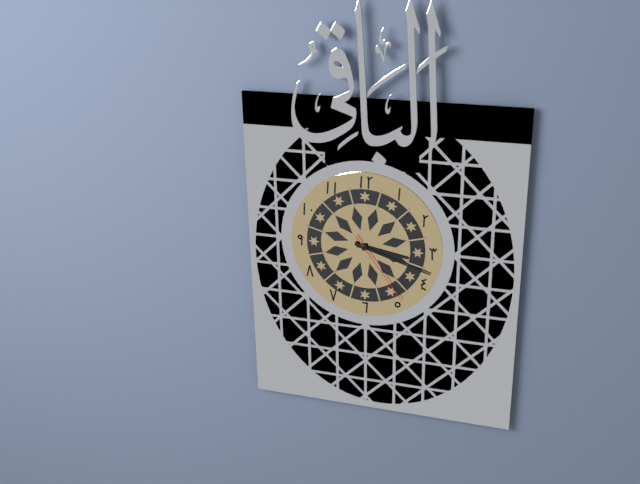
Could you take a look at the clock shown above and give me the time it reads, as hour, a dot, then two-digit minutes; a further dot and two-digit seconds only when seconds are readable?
3.18.24
